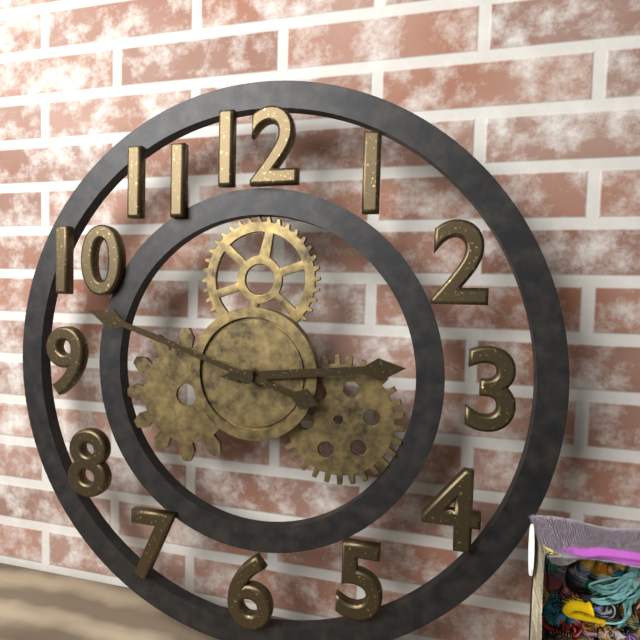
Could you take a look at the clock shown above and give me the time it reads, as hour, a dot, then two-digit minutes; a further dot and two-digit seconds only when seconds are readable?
2.48
